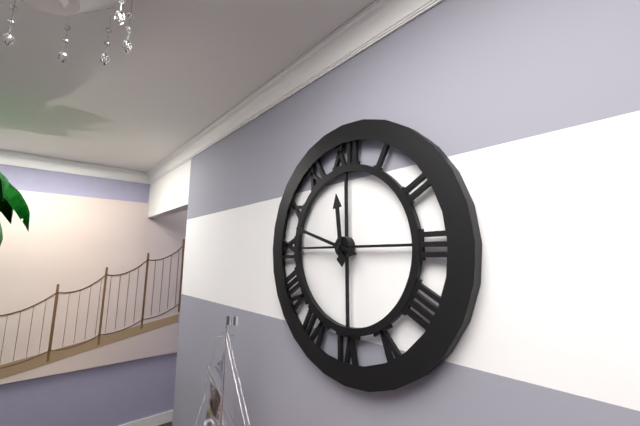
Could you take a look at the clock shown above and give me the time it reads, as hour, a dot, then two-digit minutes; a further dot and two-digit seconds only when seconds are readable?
11.48
